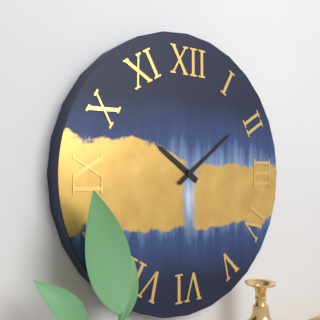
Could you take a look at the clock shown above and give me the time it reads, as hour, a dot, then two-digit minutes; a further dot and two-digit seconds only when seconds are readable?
10.09
